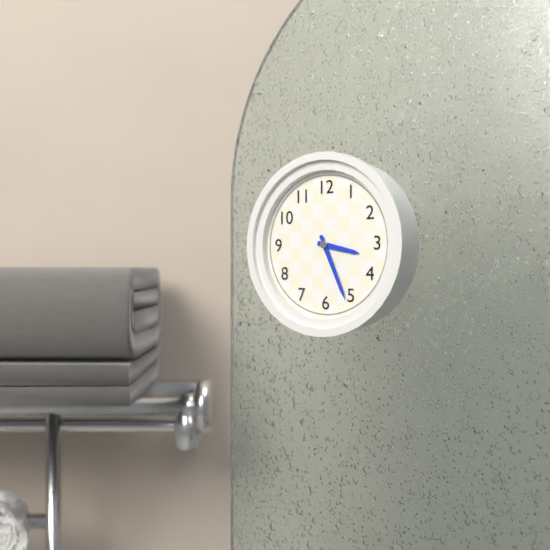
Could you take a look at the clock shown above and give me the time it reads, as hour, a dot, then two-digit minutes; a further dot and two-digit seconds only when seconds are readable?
3.26
